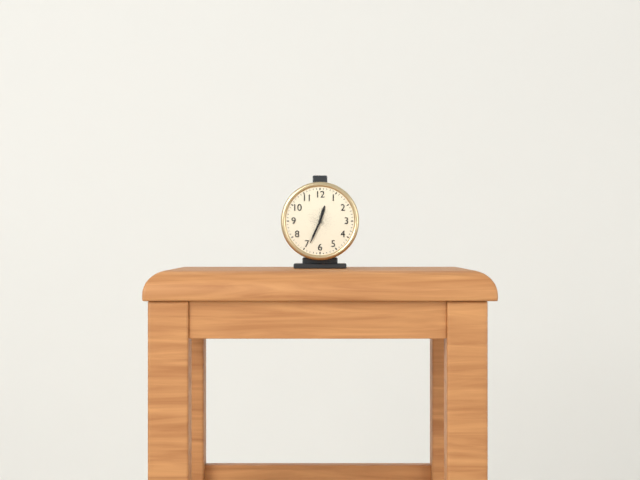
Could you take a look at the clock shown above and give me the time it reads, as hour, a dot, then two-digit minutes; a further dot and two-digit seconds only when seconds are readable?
12.34
